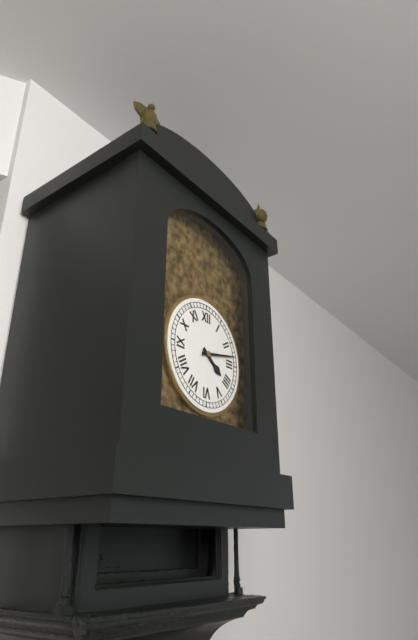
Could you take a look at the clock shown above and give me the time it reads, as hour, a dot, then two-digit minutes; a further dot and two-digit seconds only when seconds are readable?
4.13
